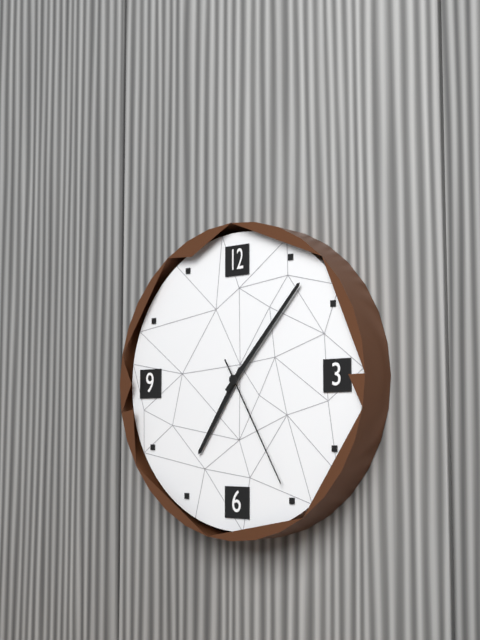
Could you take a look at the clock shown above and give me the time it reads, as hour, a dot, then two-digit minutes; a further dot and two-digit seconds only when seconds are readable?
7.07.25
